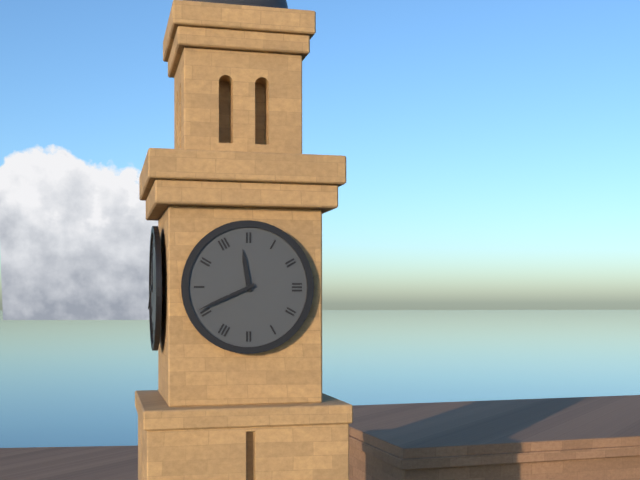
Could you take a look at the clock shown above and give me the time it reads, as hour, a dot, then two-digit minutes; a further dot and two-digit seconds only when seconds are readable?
11.41
